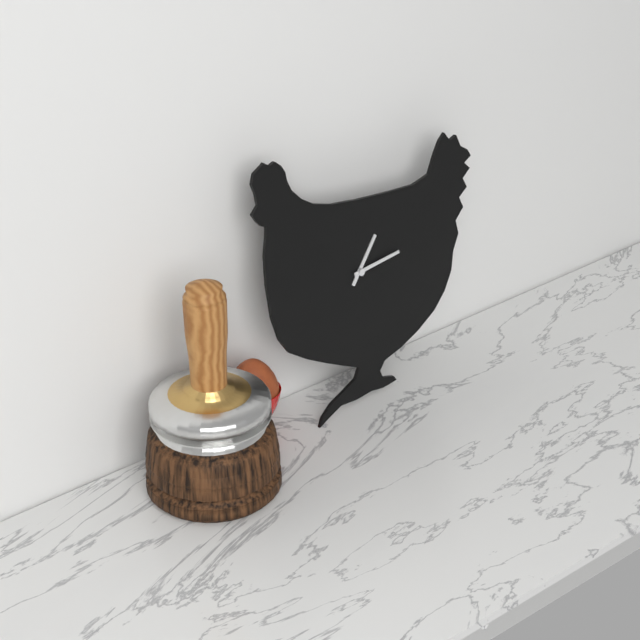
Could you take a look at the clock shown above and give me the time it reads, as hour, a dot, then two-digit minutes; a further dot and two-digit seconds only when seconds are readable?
1.14
